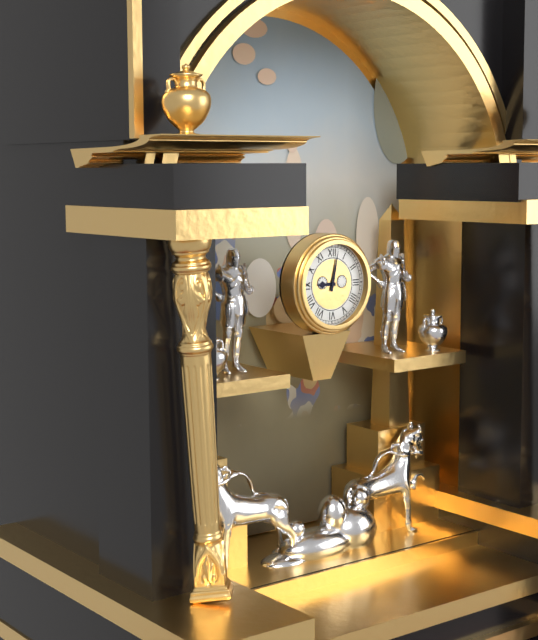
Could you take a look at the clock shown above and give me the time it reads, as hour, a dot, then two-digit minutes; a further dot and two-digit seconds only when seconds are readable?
9.02
